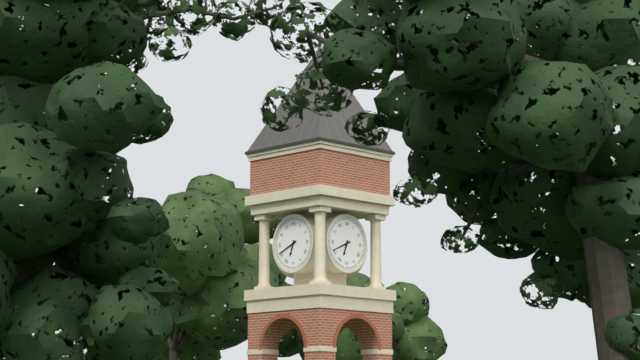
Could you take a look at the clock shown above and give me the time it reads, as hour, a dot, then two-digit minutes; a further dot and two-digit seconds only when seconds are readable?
6.41
